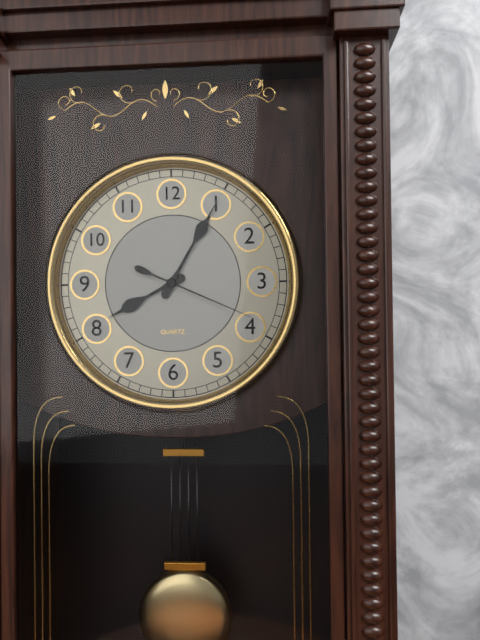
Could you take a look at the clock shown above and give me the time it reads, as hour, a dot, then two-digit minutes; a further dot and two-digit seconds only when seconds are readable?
8.05.19
